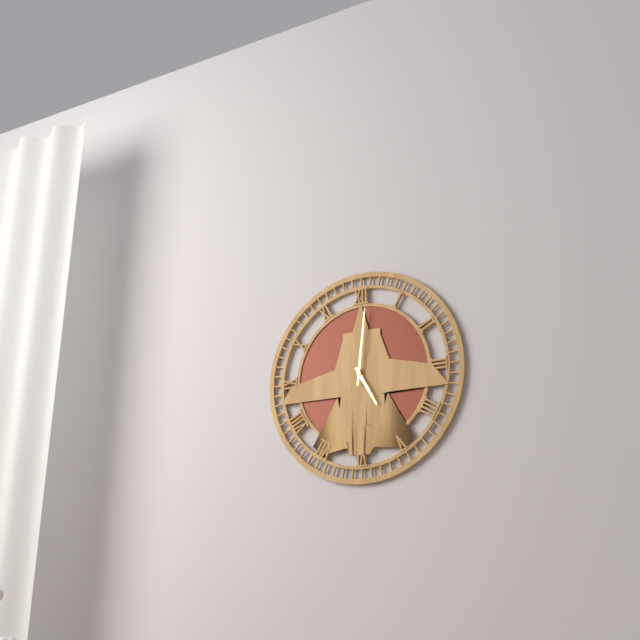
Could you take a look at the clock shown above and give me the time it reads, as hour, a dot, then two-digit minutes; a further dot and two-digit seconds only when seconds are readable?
5.01
